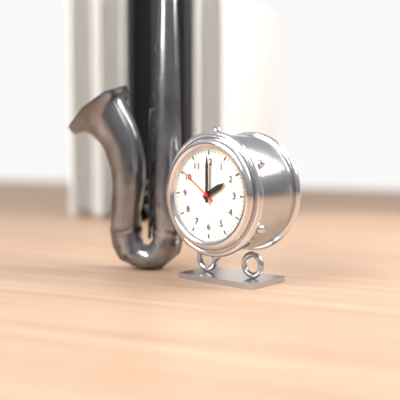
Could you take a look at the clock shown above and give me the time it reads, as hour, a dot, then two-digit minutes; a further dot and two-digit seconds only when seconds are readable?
2.00
